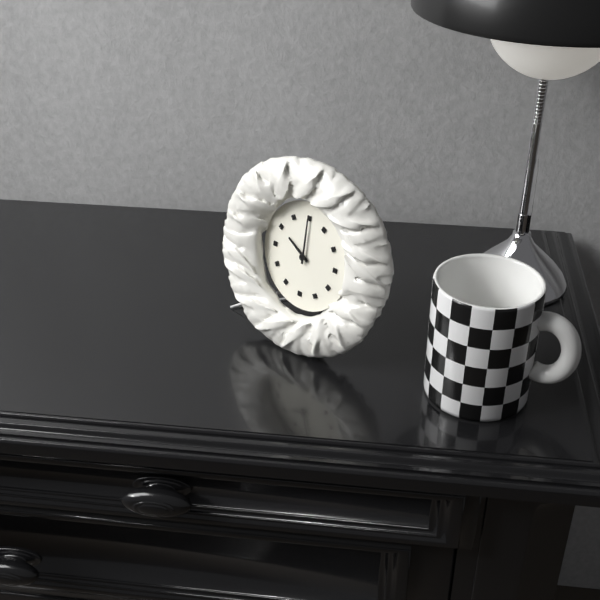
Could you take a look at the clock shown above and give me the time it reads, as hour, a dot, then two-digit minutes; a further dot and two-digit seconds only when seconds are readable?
10.00
